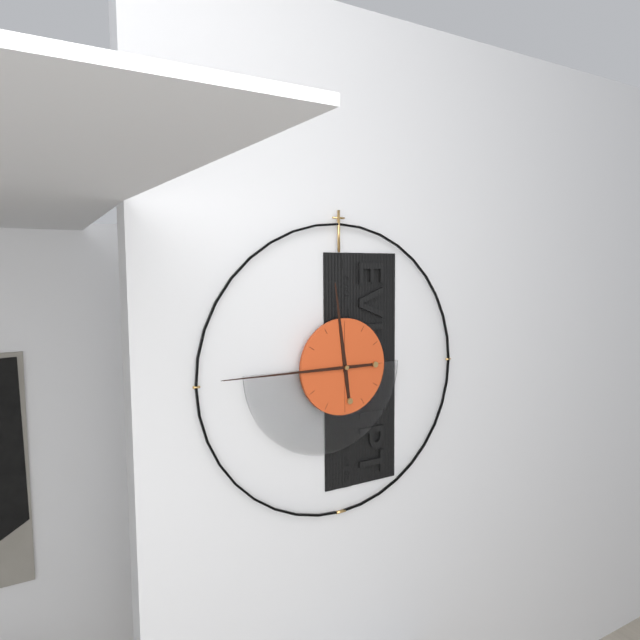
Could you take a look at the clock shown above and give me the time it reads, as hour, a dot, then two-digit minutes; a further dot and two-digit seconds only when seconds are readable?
11.45
